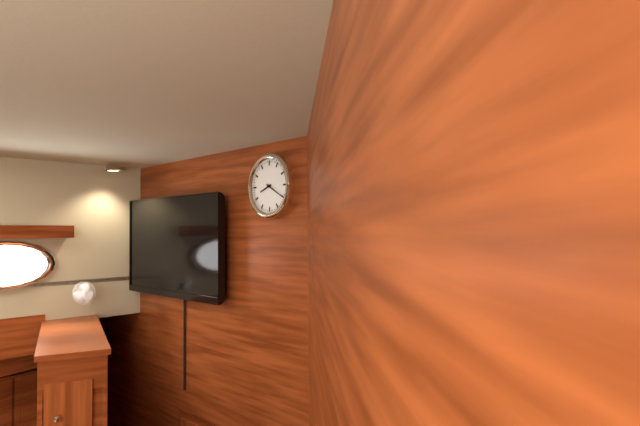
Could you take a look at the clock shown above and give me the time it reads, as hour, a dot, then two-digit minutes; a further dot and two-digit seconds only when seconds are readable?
8.20
